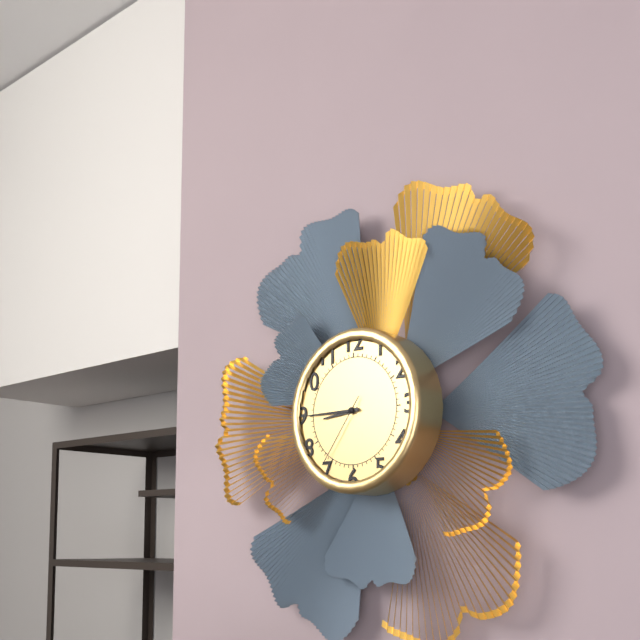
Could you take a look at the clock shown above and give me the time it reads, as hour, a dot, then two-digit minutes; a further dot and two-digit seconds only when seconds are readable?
8.45.36
